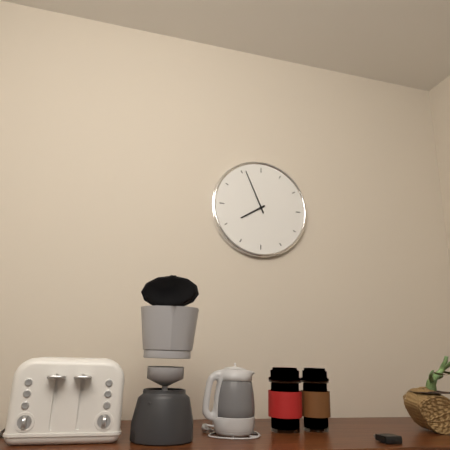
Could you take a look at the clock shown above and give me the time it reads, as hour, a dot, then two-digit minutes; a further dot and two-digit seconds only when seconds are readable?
7.56
